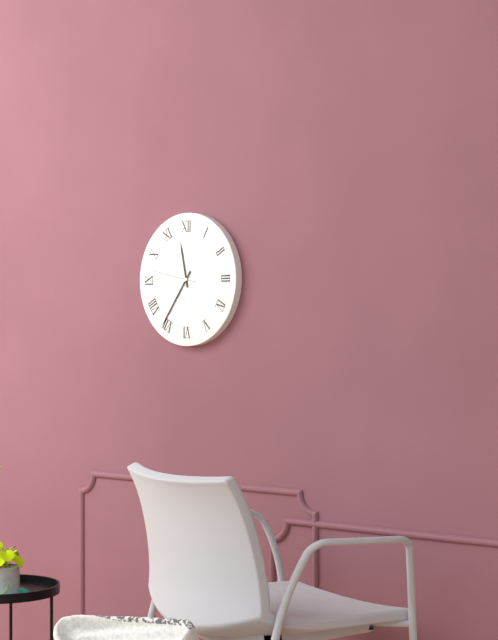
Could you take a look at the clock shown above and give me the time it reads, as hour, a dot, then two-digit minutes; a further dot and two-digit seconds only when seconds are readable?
11.36
